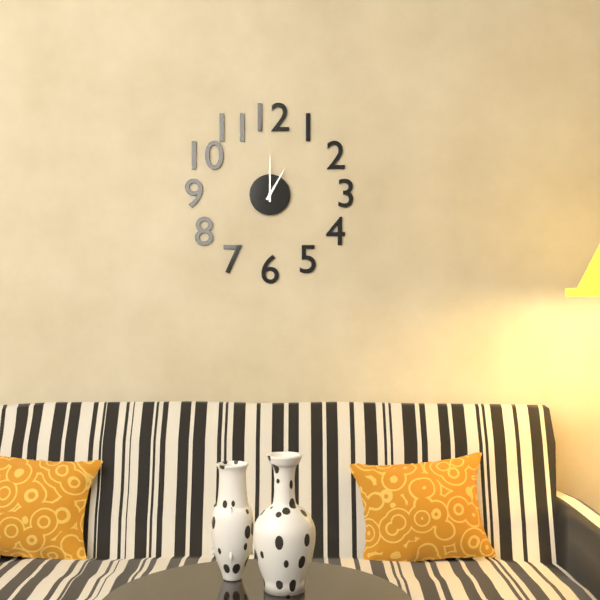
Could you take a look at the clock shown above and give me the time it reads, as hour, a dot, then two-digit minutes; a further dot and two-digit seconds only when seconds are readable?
1.00
